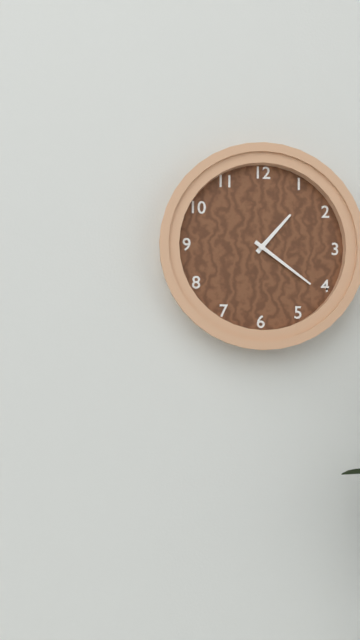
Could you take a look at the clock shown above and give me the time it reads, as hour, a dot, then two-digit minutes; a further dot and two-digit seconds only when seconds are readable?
1.21
